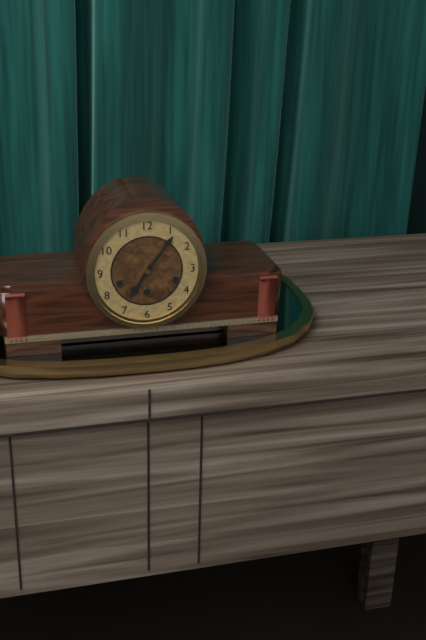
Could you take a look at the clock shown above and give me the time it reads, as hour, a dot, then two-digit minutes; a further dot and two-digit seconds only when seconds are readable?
7.06
